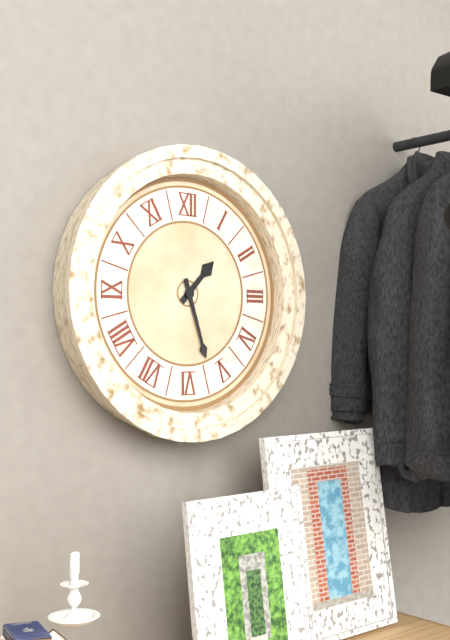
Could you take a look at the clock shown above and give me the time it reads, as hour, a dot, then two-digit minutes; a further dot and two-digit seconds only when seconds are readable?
1.27
